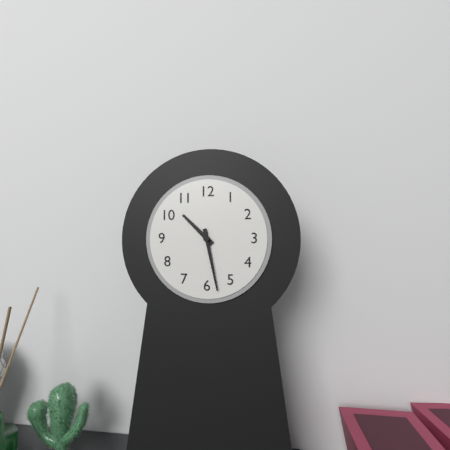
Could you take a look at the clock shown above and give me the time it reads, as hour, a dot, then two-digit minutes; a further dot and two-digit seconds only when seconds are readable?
10.28
